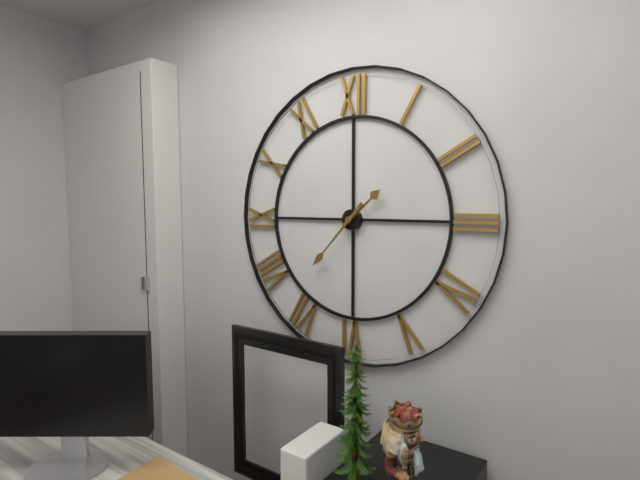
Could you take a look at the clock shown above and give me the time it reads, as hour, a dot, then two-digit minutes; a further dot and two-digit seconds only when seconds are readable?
1.37
